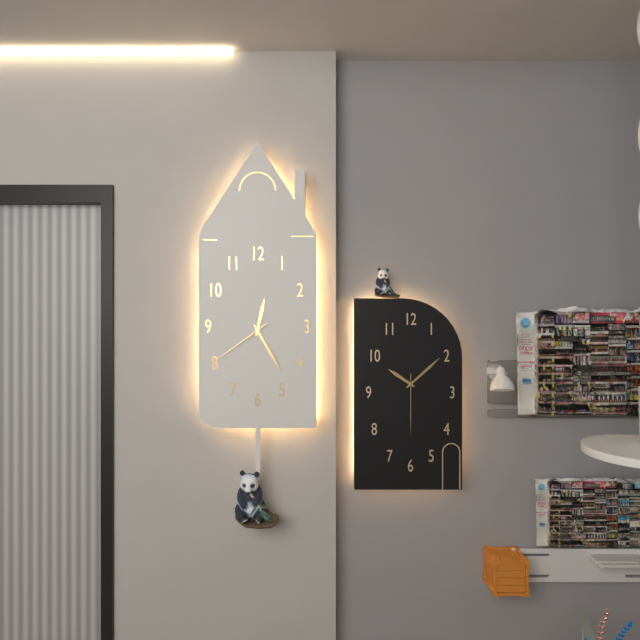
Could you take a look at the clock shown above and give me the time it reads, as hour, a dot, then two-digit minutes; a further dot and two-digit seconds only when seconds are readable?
12.25.39
